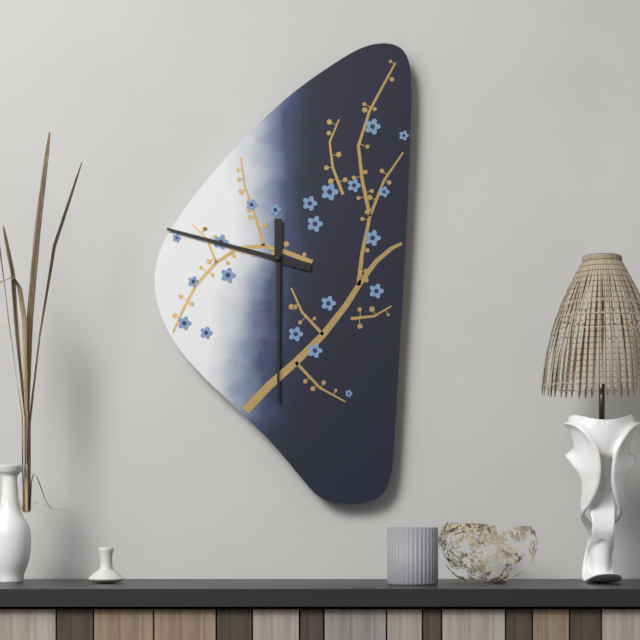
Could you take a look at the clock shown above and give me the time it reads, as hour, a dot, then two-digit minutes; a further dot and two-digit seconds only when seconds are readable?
9.30
